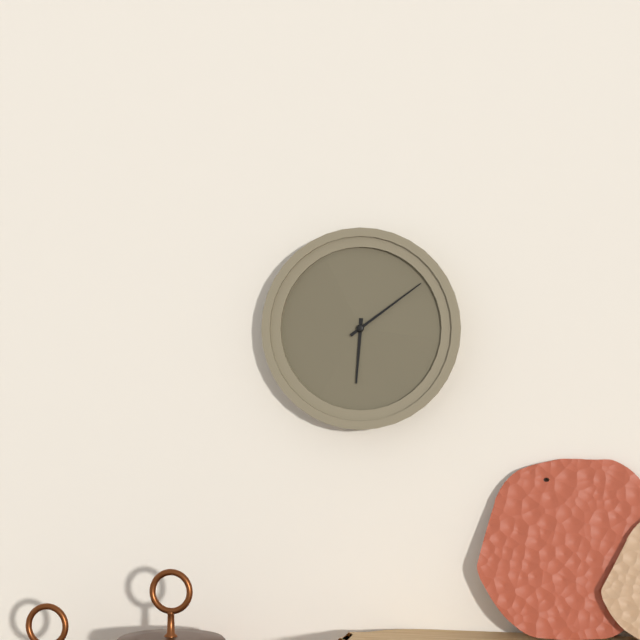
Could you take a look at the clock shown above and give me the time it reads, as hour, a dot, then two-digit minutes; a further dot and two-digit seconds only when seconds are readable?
6.09
